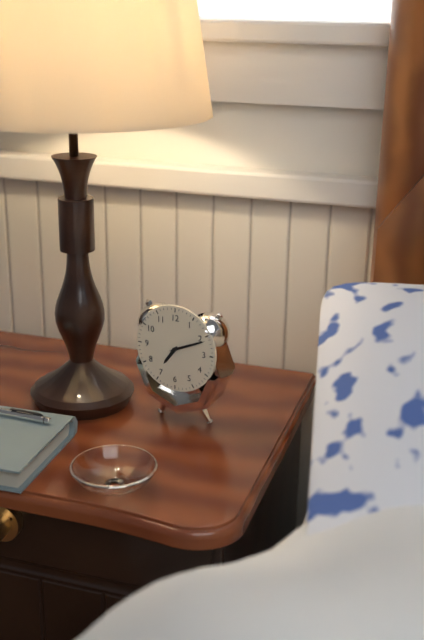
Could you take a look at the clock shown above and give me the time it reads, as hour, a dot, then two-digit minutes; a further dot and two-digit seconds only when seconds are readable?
7.11
